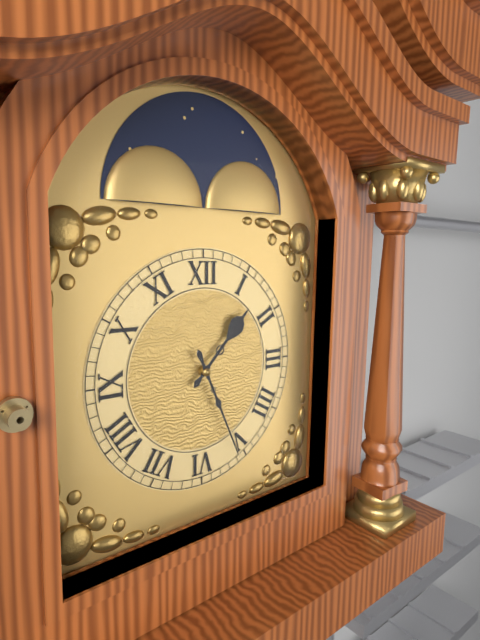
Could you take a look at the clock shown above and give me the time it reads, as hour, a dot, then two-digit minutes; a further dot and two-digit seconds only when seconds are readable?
1.26
